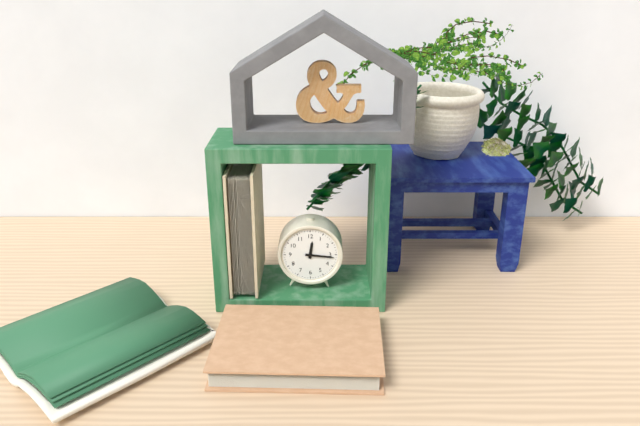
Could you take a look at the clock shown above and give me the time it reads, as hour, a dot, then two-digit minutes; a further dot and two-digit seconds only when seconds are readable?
12.16
